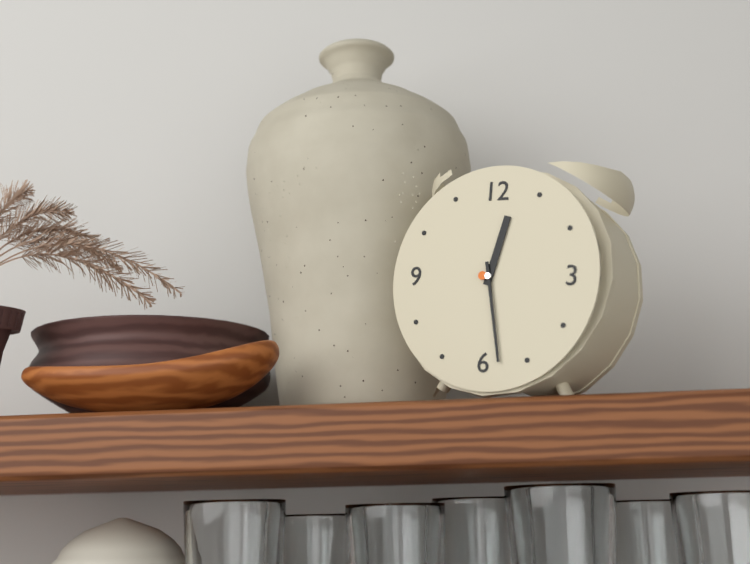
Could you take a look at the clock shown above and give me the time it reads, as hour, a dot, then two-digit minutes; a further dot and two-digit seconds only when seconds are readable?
12.28
